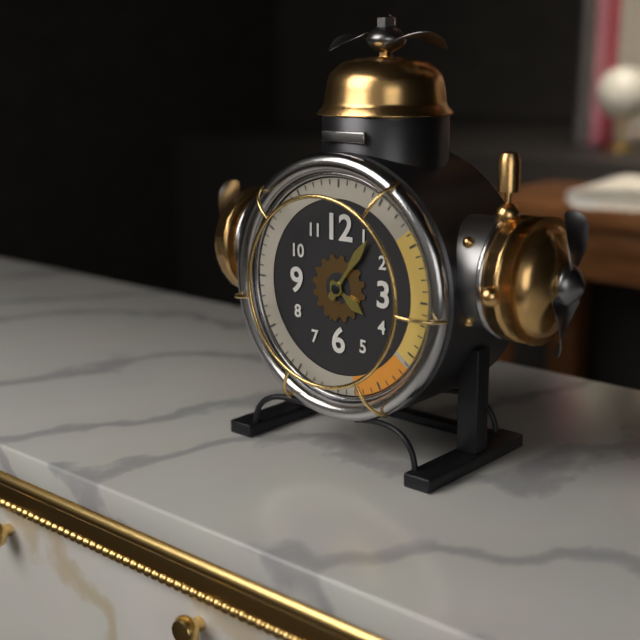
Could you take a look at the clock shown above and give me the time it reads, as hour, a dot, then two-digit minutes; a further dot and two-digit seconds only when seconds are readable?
4.06
